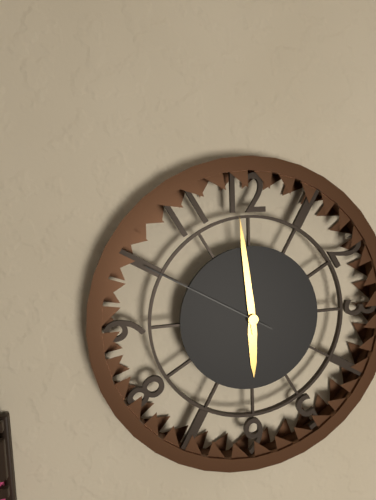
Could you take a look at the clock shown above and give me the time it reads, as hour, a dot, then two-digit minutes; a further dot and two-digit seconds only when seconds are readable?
5.59.50
